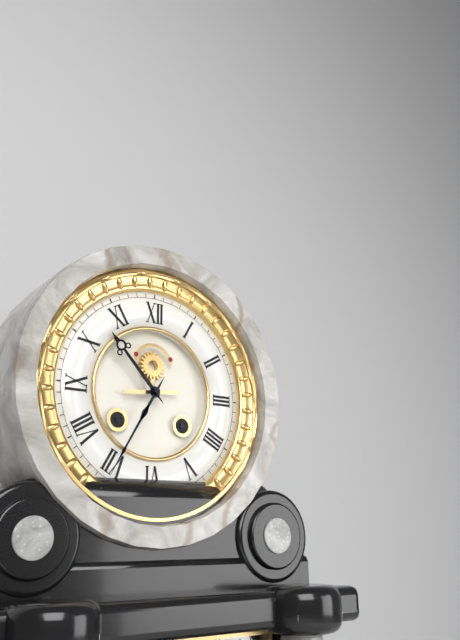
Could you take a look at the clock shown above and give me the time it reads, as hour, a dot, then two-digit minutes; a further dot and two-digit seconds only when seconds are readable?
10.35
